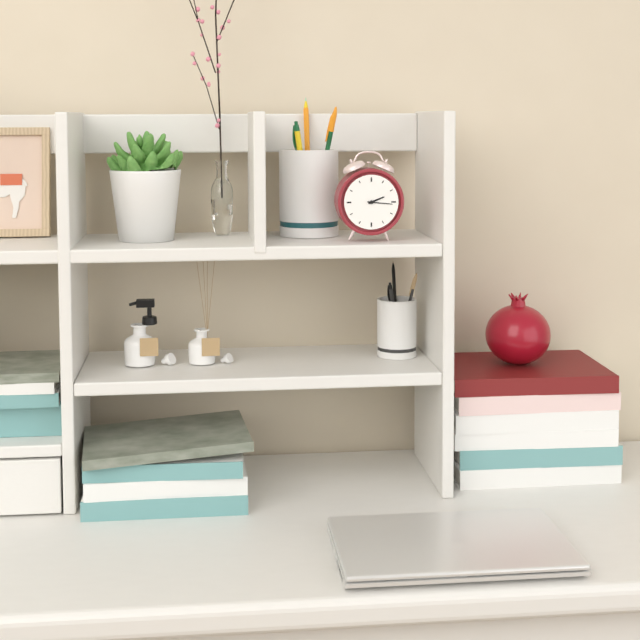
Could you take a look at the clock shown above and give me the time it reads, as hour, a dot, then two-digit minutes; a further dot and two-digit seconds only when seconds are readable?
2.16
